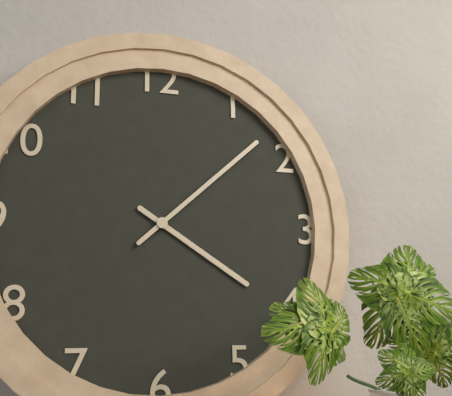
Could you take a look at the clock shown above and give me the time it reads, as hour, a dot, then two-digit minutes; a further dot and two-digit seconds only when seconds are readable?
4.08
